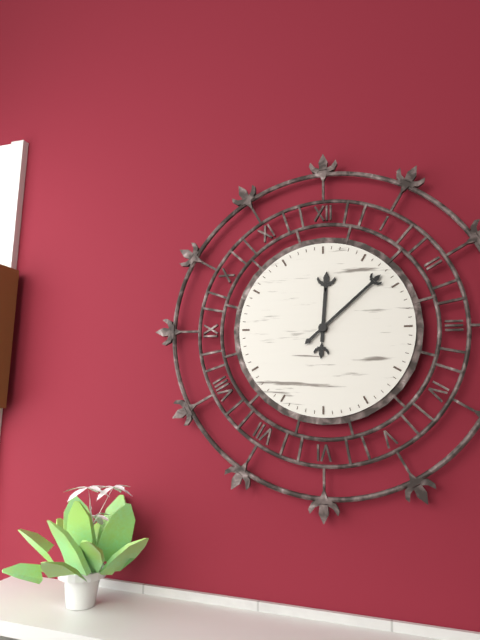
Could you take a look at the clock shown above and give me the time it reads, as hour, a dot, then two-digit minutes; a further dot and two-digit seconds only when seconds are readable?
12.08
